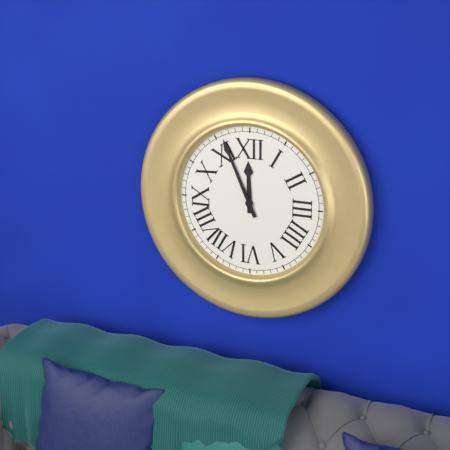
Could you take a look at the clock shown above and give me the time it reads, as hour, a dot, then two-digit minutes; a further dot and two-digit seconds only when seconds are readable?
11.56
